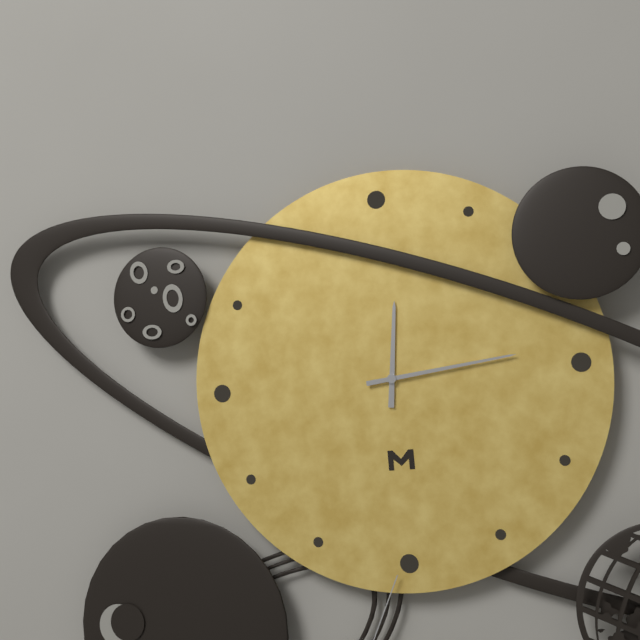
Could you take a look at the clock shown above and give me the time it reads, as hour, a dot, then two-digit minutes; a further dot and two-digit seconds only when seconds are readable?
12.14
